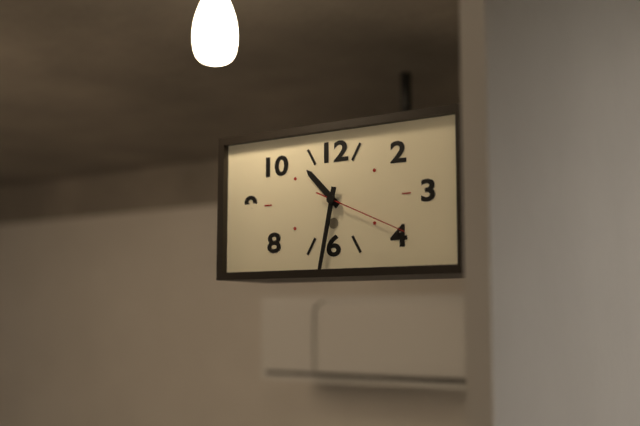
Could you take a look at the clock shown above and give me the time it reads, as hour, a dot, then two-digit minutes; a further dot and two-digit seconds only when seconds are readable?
10.32.19
